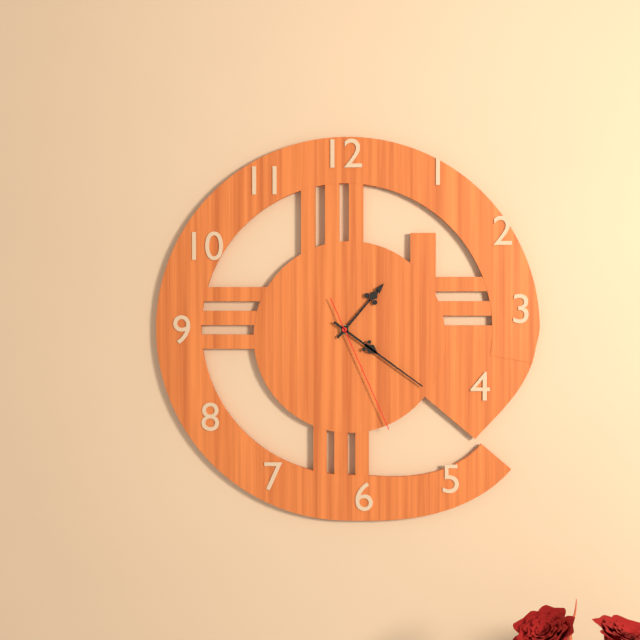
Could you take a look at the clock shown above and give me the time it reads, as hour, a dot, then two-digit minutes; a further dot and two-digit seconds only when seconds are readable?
1.21.26
